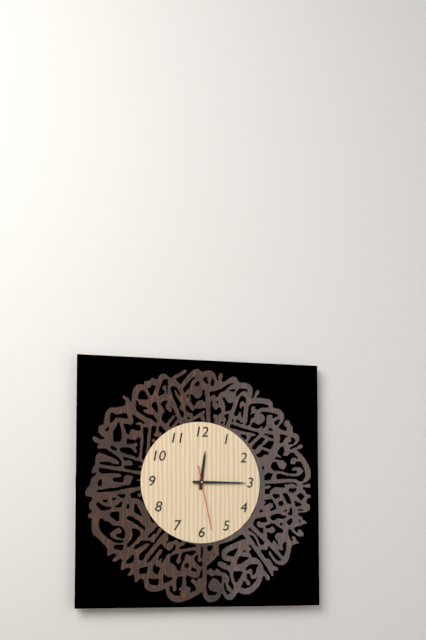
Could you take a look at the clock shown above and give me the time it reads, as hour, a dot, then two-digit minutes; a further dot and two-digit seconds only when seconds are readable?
12.15.28
